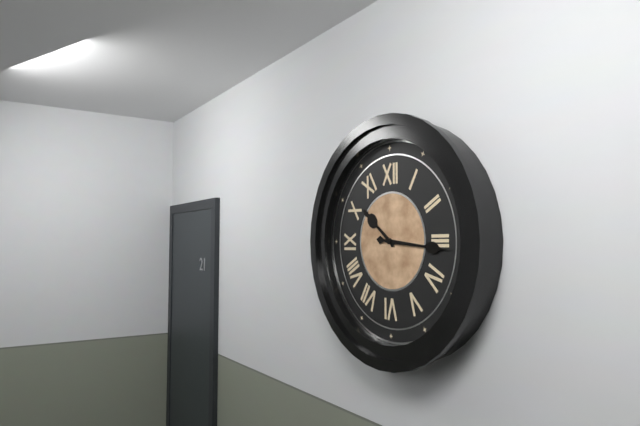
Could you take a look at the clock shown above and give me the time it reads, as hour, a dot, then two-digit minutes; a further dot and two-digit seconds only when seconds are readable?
10.16
